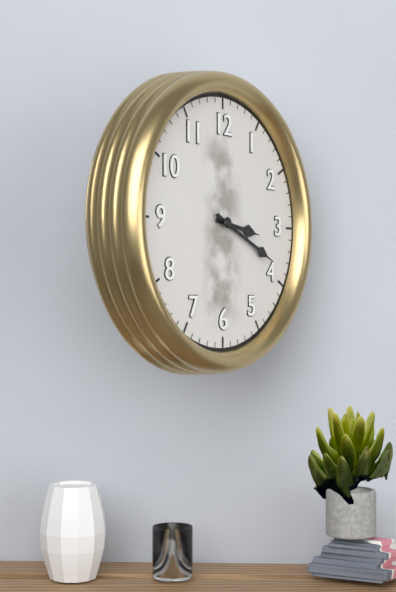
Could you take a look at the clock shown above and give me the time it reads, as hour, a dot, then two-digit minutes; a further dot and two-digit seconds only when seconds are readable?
3.19
